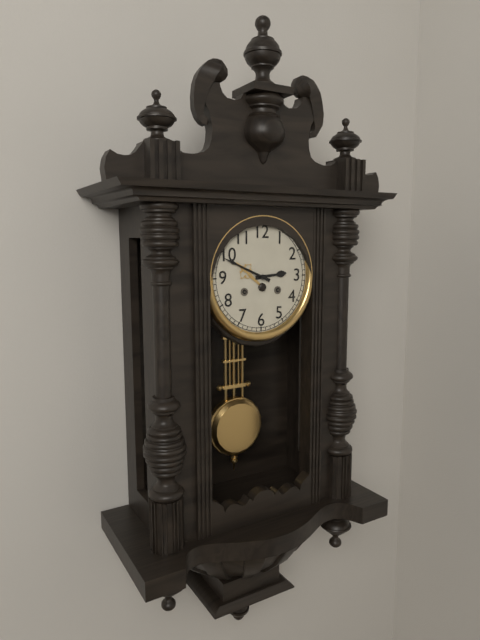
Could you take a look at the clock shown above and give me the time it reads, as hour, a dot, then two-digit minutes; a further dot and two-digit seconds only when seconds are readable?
2.49
